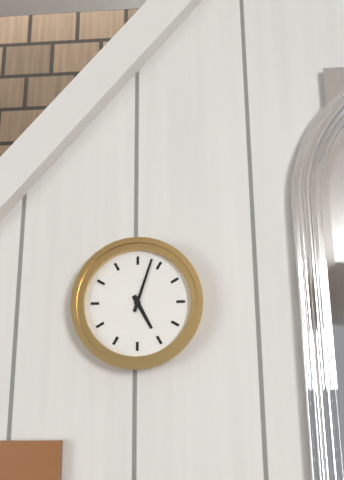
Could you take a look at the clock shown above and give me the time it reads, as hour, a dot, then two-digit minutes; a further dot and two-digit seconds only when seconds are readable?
5.03
